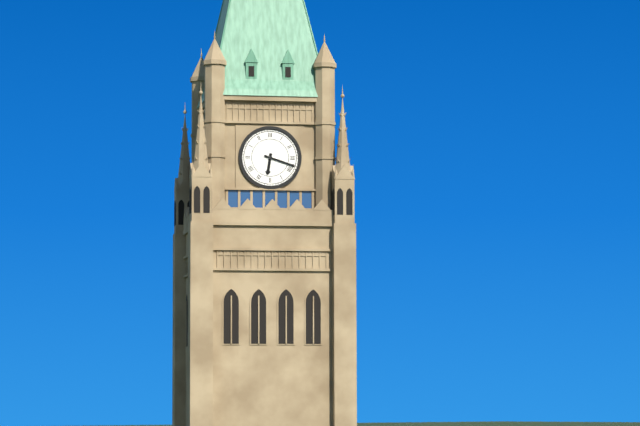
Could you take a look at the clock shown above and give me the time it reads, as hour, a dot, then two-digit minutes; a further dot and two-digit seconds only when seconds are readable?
6.18
